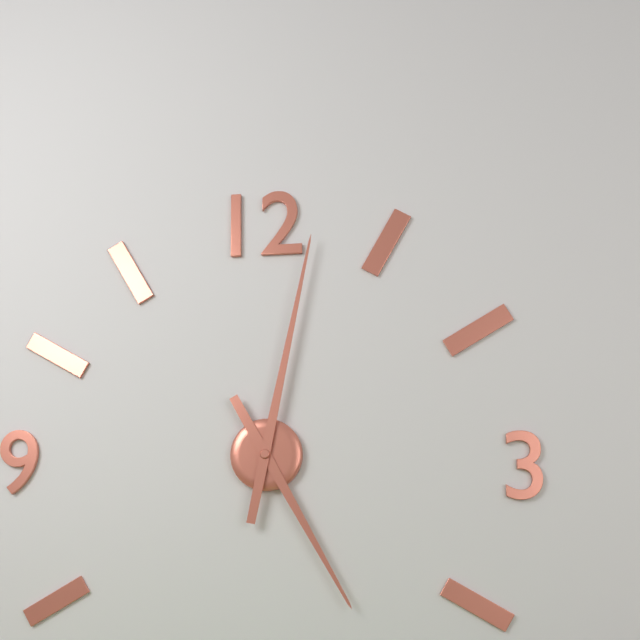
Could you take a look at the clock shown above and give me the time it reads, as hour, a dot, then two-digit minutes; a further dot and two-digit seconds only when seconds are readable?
5.02
